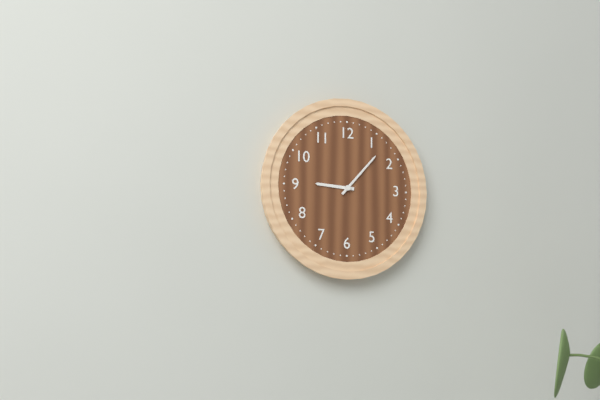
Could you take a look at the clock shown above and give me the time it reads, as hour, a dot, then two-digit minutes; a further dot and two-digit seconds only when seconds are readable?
9.07
